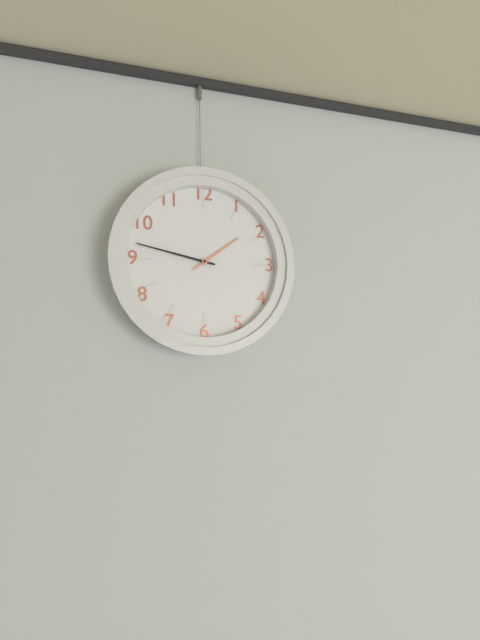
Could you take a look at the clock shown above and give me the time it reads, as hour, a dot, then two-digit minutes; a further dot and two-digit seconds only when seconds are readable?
1.47
